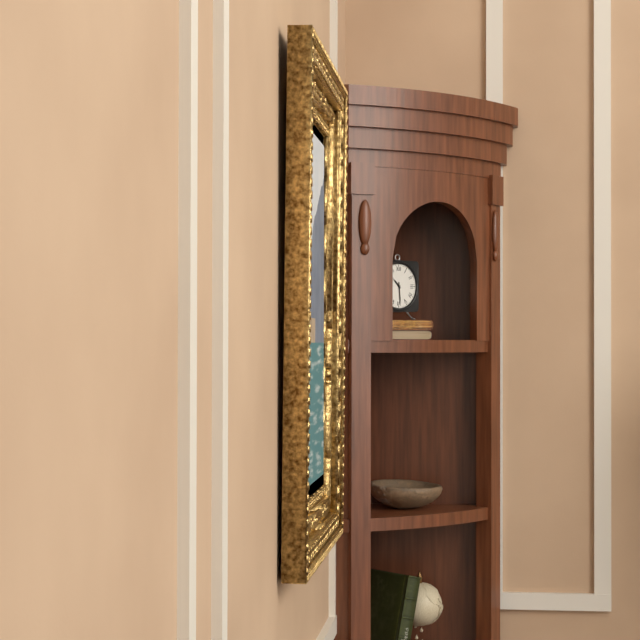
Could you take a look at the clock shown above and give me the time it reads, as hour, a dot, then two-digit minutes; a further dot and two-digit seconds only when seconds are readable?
10.29
